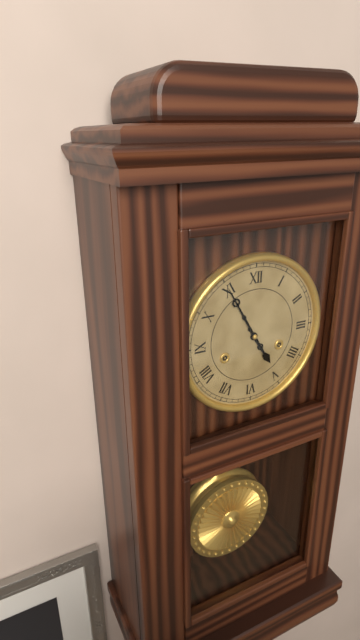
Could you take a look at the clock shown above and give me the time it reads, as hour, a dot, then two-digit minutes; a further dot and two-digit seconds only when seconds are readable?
4.55
